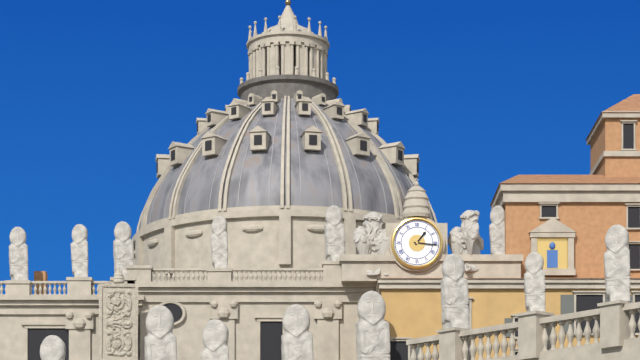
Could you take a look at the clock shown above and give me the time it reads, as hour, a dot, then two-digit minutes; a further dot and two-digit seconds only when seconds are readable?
1.16
